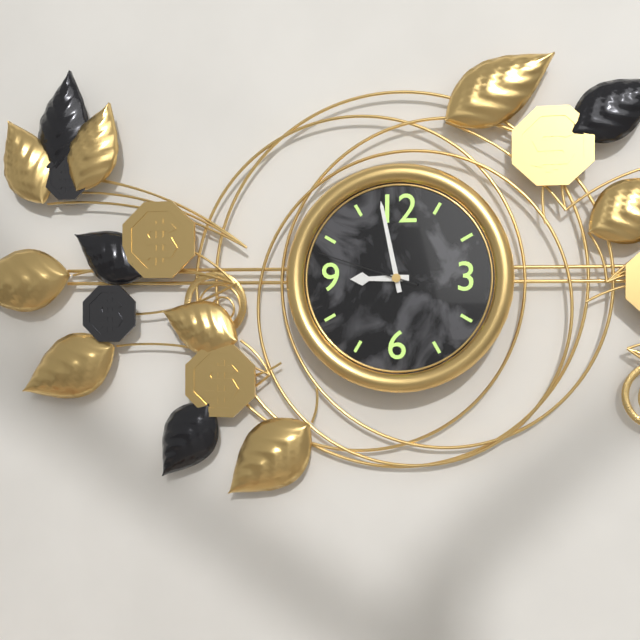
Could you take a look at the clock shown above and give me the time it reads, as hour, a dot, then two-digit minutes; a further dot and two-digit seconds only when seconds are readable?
8.58.48
